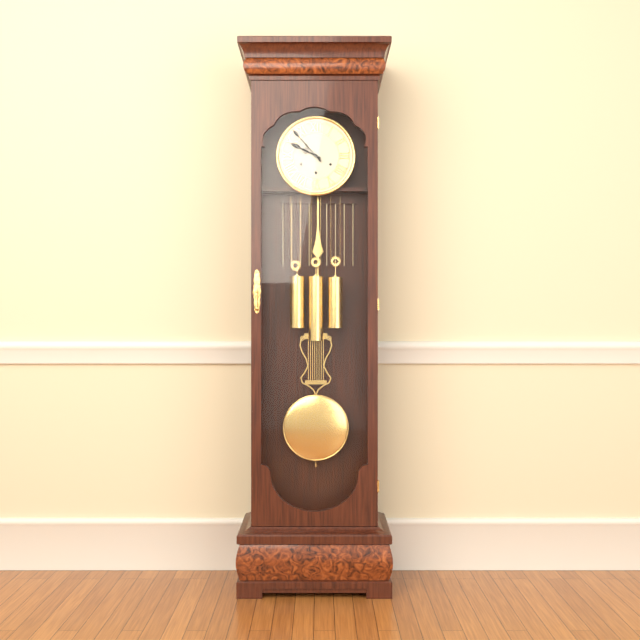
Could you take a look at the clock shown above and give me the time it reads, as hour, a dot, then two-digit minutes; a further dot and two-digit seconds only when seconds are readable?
9.53
